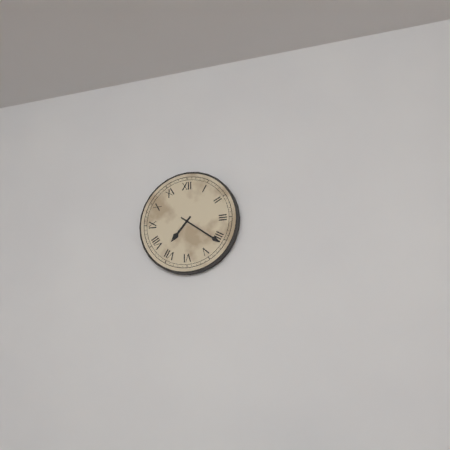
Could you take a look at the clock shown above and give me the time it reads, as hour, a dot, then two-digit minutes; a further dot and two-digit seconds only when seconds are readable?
7.21
